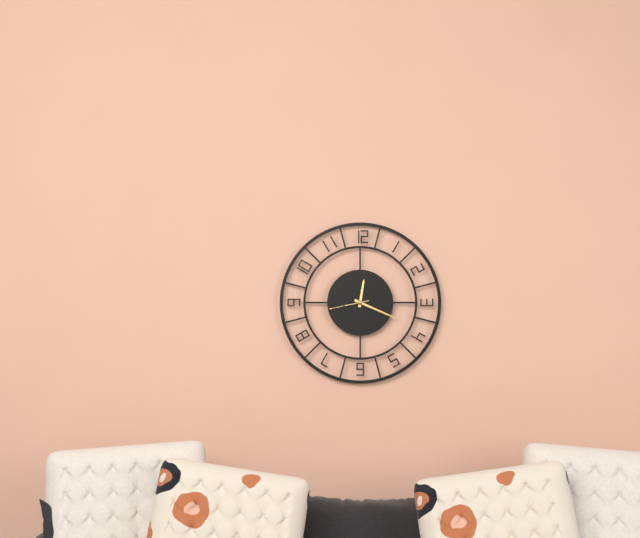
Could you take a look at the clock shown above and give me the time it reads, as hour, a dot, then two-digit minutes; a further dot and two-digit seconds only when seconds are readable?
12.19
